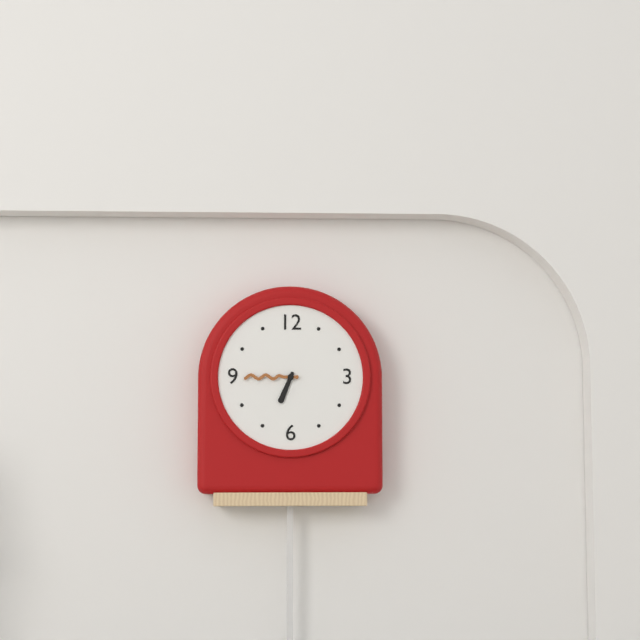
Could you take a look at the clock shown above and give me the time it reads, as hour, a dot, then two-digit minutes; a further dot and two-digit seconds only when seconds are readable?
6.45
